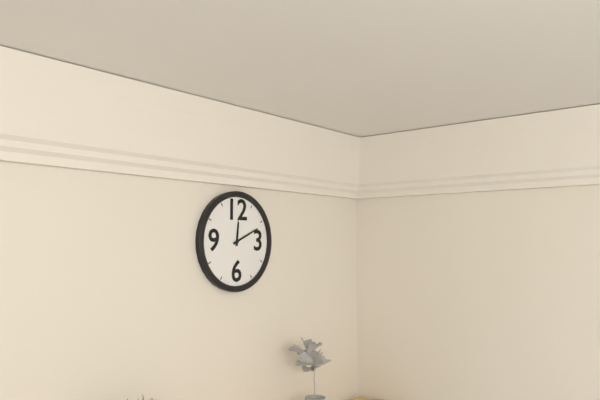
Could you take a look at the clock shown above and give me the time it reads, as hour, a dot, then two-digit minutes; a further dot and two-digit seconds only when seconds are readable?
12.11
